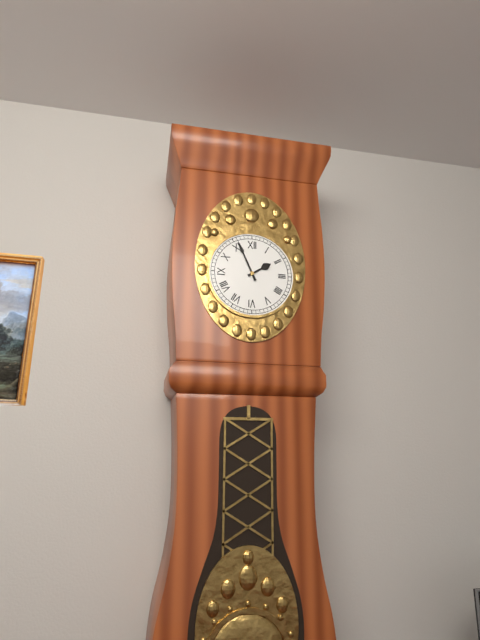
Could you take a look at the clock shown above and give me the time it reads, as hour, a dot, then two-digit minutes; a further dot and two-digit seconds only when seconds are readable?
1.56
